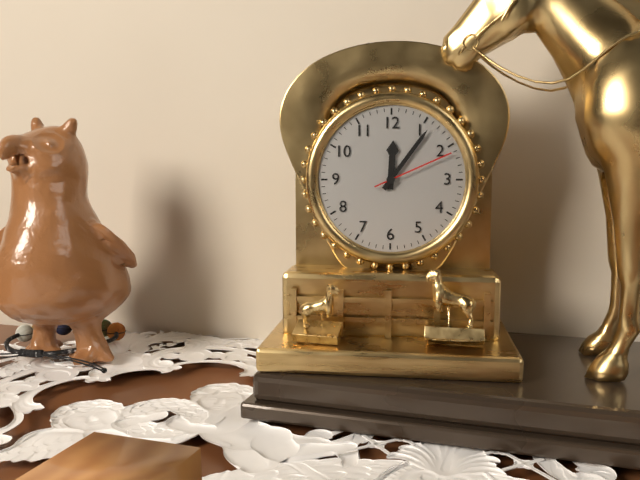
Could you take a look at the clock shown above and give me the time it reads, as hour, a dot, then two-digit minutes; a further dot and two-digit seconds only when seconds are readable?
12.06.11
